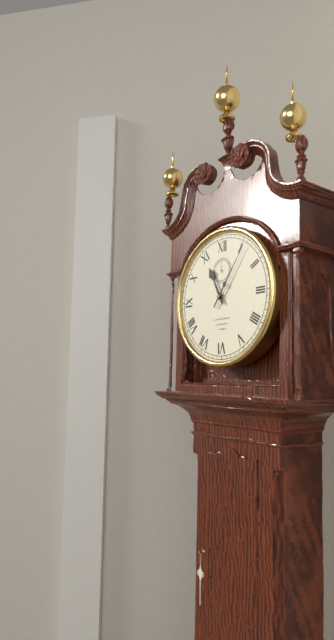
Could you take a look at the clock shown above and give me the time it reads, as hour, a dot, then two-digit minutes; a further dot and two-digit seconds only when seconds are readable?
11.06
